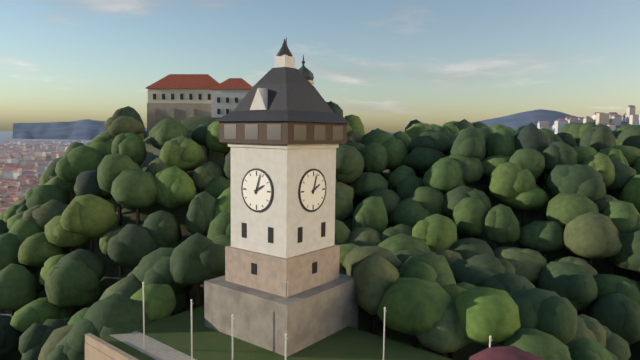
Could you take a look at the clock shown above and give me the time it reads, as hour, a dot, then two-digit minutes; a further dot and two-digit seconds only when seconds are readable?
2.03
